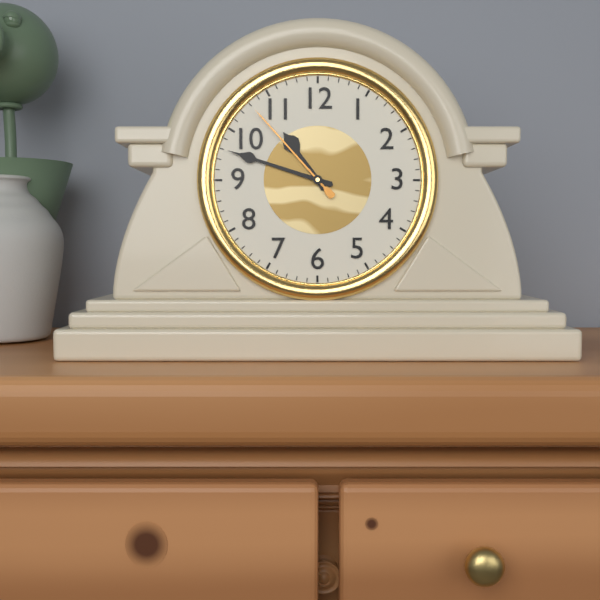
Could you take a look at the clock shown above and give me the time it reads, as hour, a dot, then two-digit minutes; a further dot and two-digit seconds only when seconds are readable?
10.48.53
